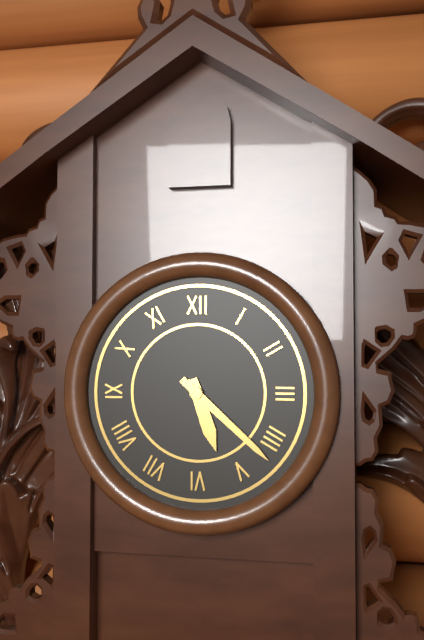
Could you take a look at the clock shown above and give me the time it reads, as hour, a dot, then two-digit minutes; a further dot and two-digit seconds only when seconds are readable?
5.22
